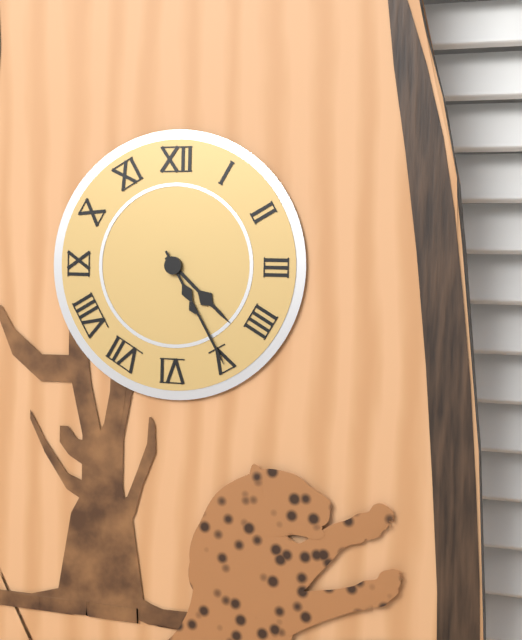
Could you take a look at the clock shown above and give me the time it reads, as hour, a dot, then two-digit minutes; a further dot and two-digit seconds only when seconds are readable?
4.25
